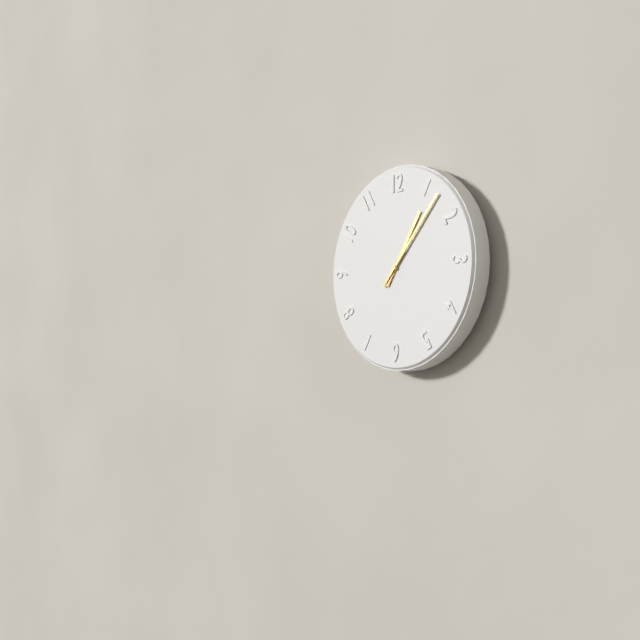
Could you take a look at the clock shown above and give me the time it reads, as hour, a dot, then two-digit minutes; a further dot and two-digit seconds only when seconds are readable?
1.07
